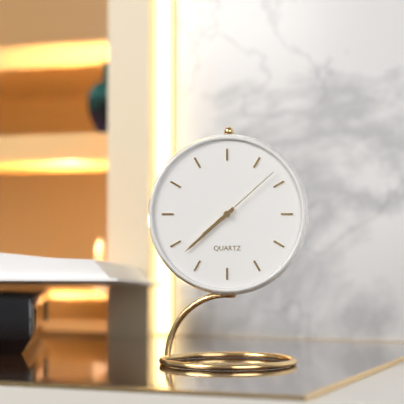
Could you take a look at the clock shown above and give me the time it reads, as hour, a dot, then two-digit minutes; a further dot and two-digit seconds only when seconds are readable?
7.38.08
